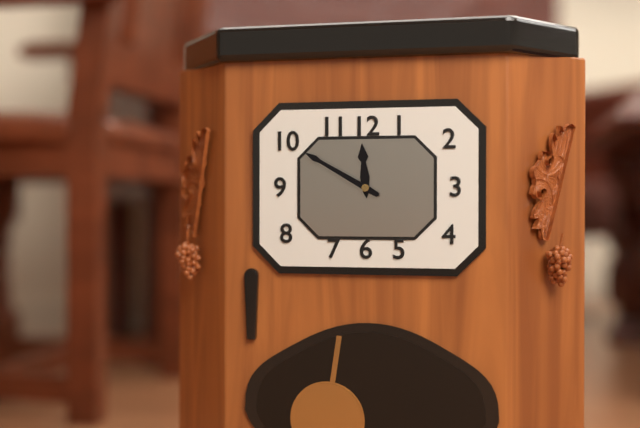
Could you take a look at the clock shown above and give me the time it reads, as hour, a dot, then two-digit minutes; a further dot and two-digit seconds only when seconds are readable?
11.50
